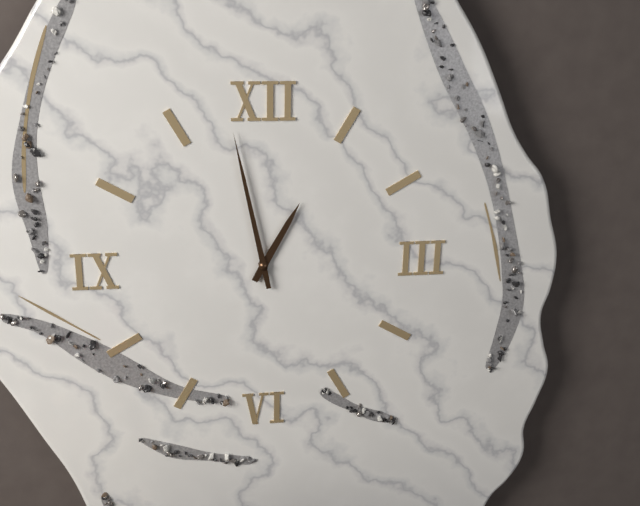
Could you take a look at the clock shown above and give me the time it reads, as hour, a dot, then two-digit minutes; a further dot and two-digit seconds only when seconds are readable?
12.58
